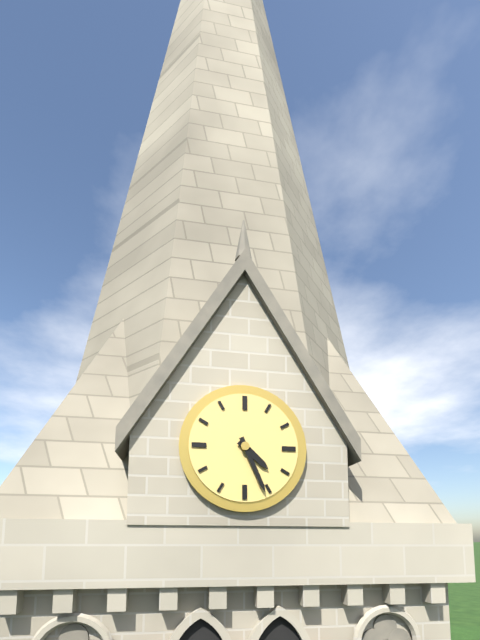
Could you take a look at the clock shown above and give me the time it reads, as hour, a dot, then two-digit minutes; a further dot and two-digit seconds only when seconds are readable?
4.26
